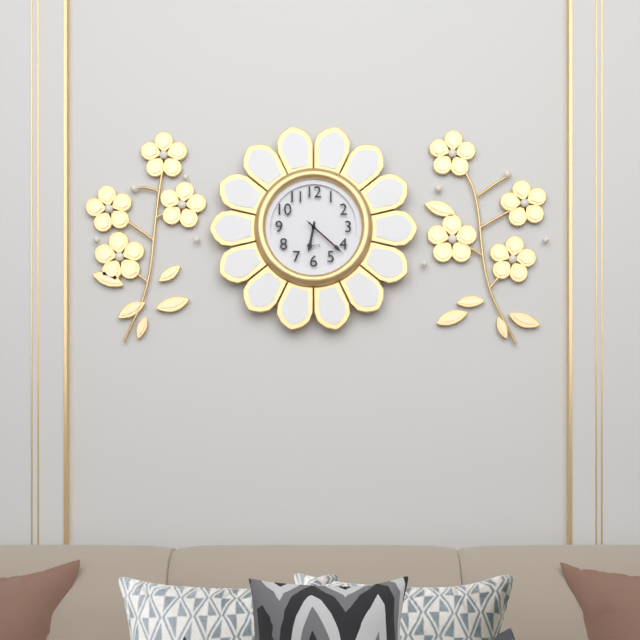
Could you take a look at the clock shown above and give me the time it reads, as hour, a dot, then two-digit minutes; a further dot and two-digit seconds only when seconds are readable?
6.22
